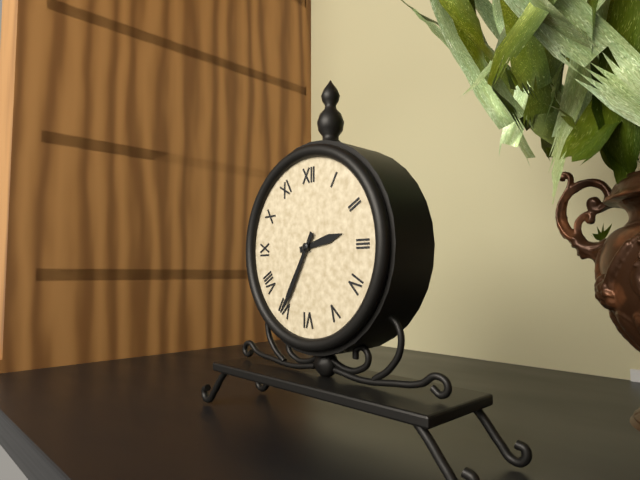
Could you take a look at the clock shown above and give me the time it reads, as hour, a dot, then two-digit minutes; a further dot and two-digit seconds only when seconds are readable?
2.35
